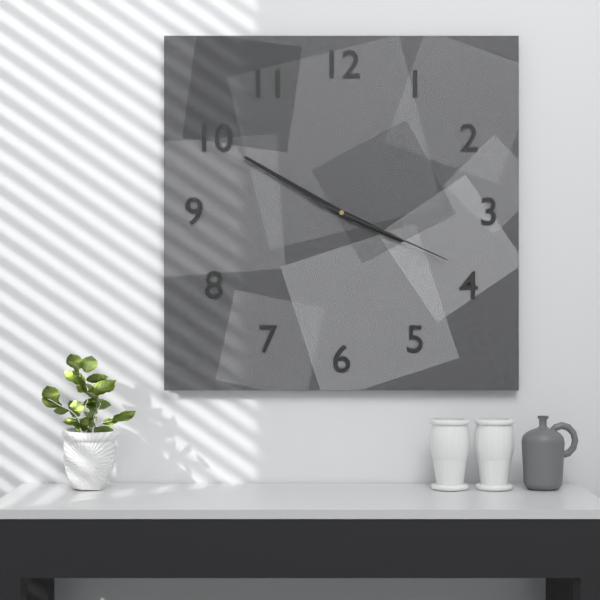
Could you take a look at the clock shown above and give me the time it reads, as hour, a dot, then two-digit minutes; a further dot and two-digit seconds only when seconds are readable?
3.50.19
